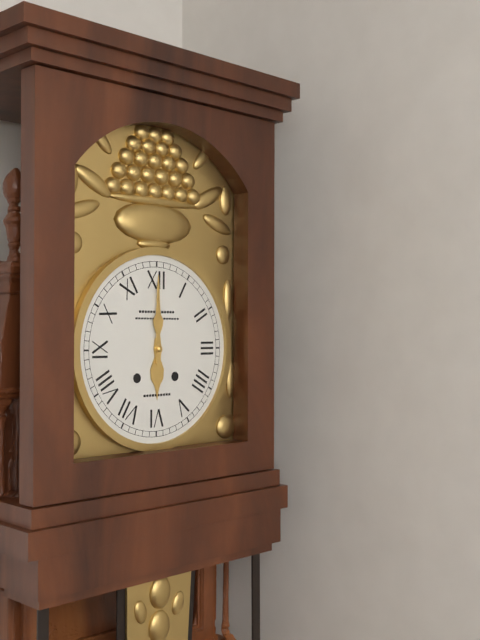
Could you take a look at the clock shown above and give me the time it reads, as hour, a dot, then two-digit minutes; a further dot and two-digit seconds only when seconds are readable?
6.00
